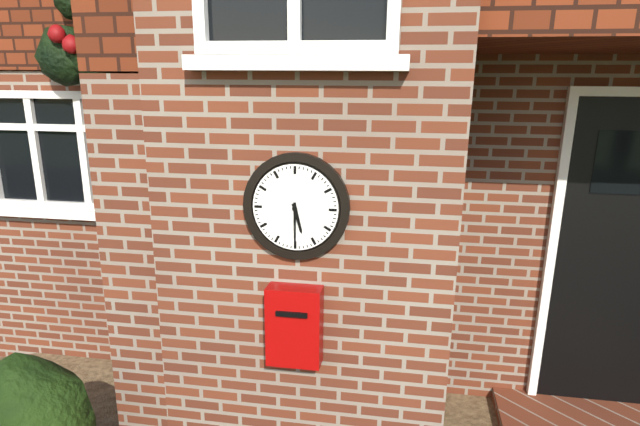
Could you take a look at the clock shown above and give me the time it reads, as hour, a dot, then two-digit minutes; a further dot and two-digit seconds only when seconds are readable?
5.30
